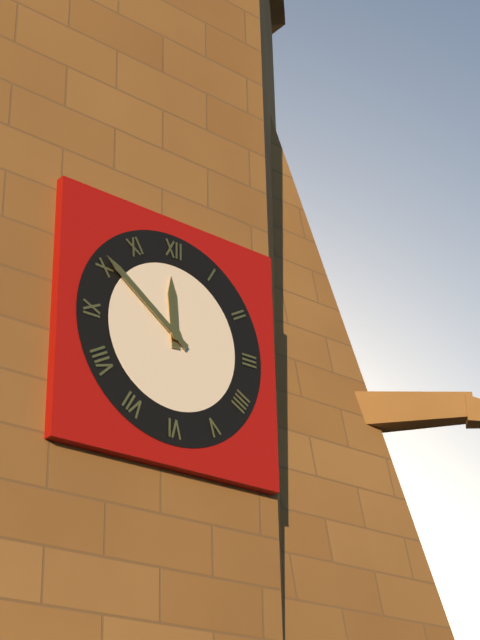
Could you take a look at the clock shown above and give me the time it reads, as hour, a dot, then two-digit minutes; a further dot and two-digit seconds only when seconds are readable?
11.51
